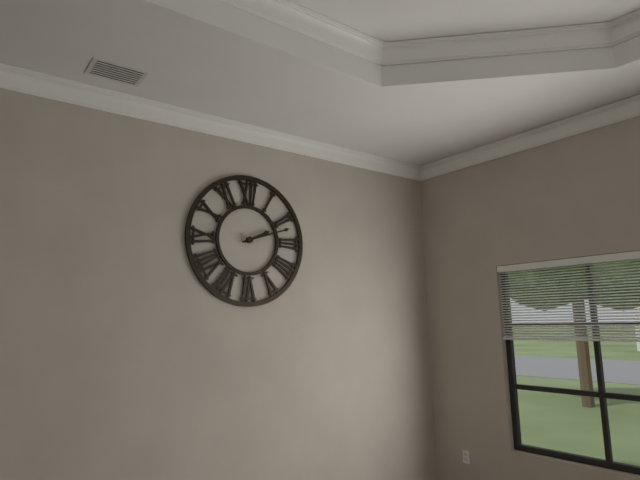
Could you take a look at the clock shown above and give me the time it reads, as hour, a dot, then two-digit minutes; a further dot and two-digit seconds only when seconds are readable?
2.12
